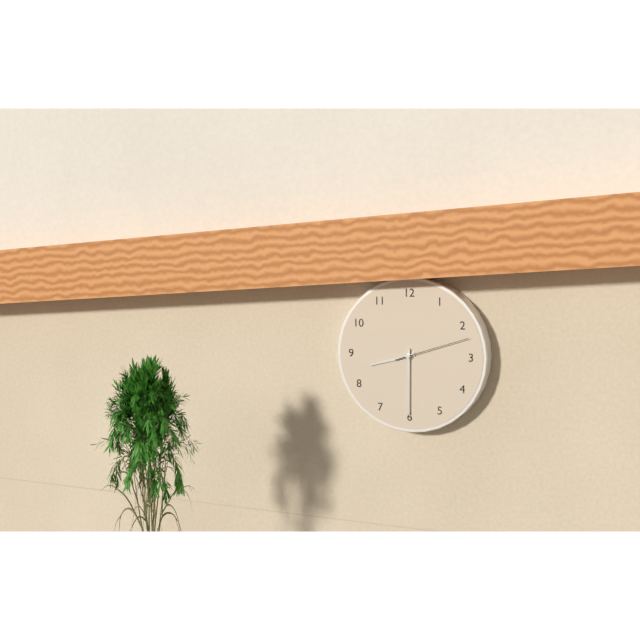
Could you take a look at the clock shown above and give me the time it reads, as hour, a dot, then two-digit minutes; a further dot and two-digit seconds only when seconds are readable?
8.30.12
